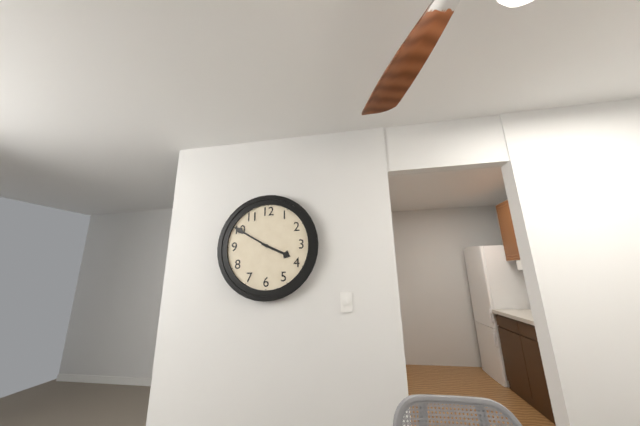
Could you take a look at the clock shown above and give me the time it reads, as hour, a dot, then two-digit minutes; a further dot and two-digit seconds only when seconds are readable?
3.50
